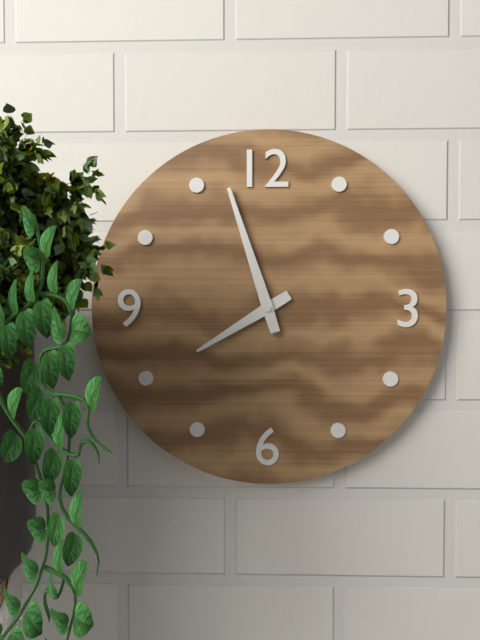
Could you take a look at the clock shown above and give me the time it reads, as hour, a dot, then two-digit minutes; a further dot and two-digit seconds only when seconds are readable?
7.57
